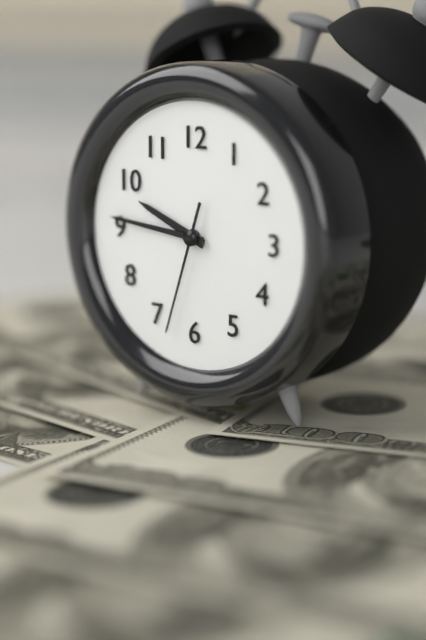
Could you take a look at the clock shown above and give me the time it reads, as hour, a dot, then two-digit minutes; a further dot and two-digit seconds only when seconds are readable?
9.46.33
